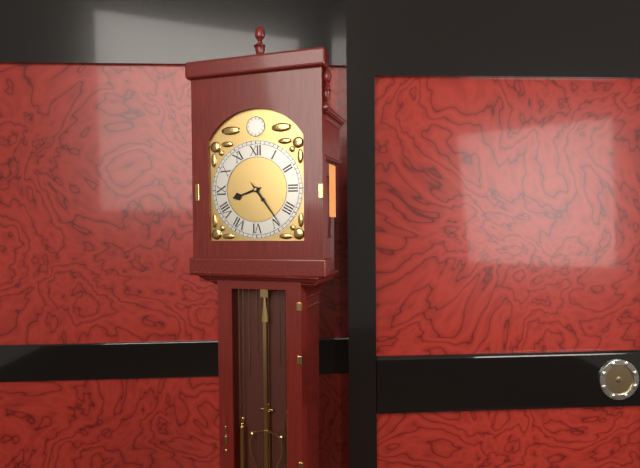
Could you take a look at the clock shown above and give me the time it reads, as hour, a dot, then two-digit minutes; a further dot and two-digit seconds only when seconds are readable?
8.24
